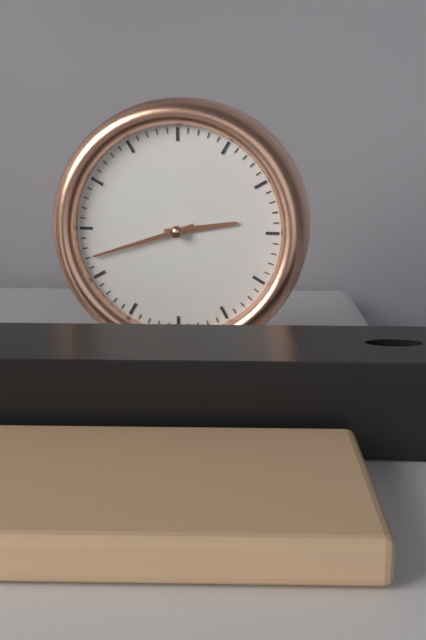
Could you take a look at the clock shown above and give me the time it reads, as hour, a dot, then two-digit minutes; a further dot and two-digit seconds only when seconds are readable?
2.42
